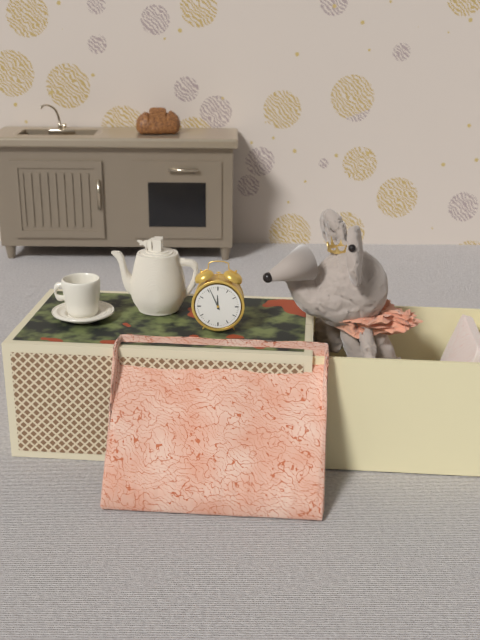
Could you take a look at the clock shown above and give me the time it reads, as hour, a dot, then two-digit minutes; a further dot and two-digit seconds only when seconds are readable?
11.56
